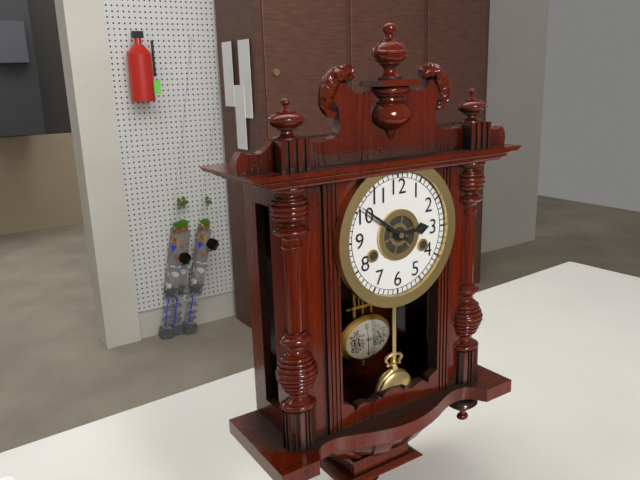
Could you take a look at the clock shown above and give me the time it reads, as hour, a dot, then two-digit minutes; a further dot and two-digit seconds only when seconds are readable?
2.51
